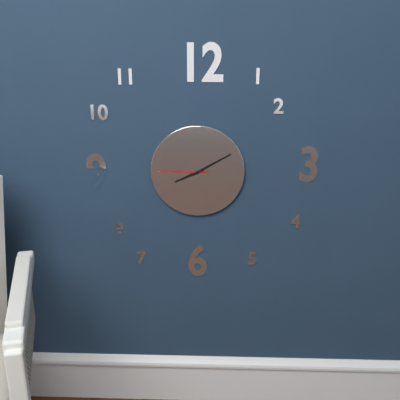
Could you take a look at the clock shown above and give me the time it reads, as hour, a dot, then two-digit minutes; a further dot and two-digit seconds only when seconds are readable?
8.10
